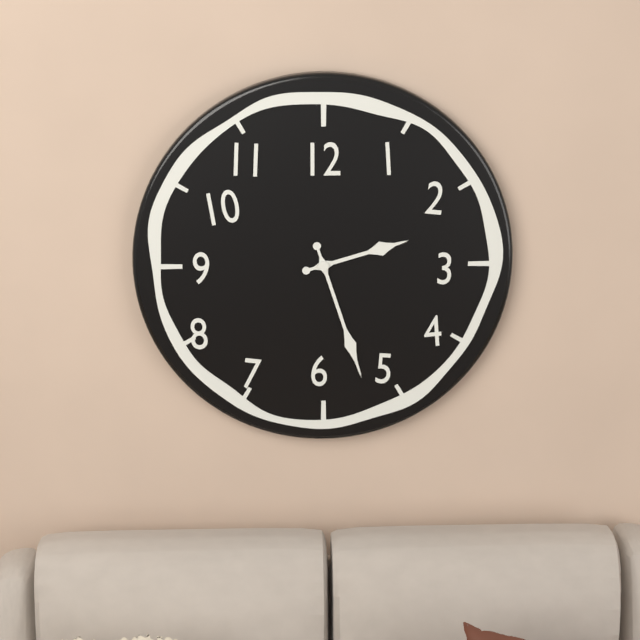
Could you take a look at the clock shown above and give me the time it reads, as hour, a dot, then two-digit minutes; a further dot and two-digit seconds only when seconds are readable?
2.27
